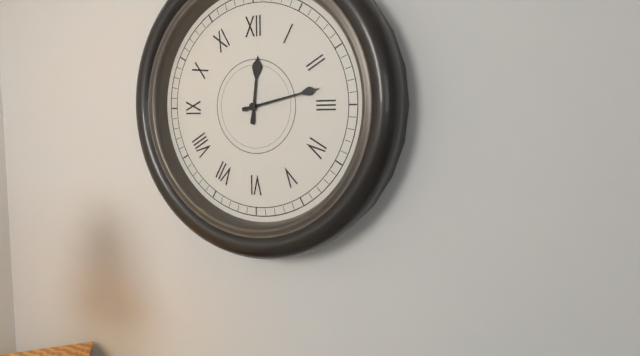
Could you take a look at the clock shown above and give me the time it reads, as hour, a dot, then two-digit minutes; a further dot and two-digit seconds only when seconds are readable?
12.13
